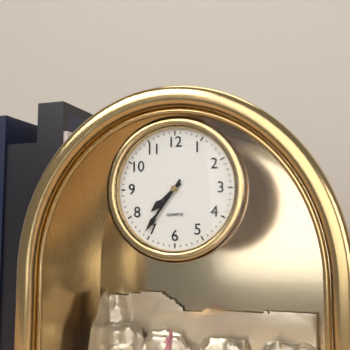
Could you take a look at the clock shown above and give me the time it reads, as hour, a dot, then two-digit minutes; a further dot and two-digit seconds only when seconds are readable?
7.36
